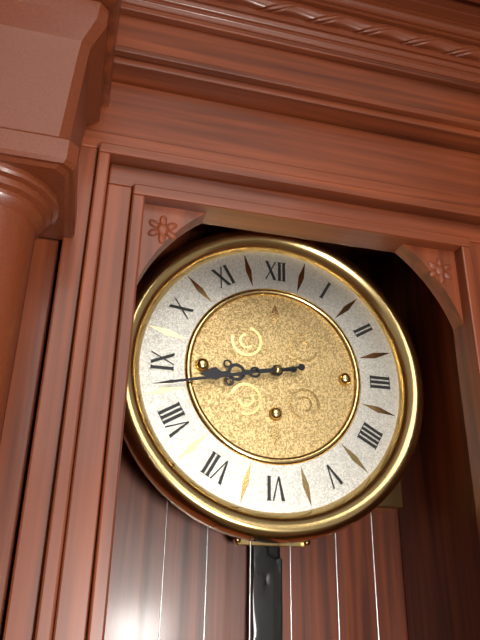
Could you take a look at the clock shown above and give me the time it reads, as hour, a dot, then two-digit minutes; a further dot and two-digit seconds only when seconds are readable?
8.43
